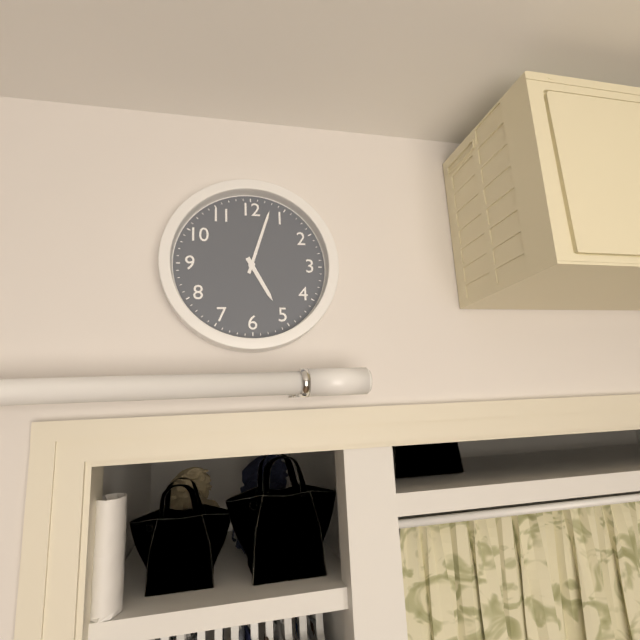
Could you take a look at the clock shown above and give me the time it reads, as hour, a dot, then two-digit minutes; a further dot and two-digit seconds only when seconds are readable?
5.03
